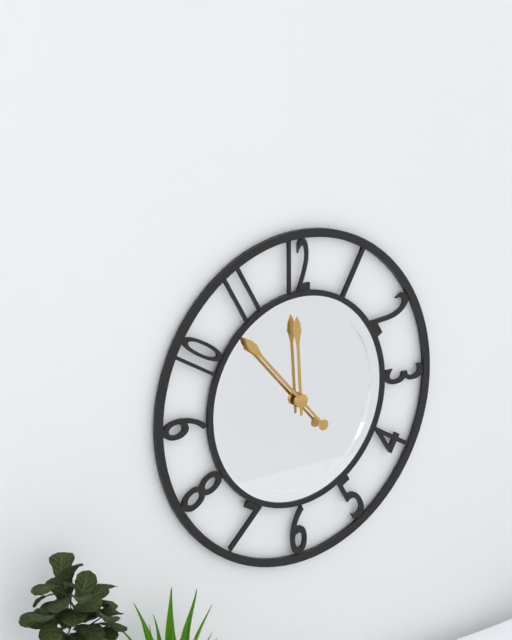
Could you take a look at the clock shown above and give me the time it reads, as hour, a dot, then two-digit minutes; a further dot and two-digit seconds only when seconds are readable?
11.53
